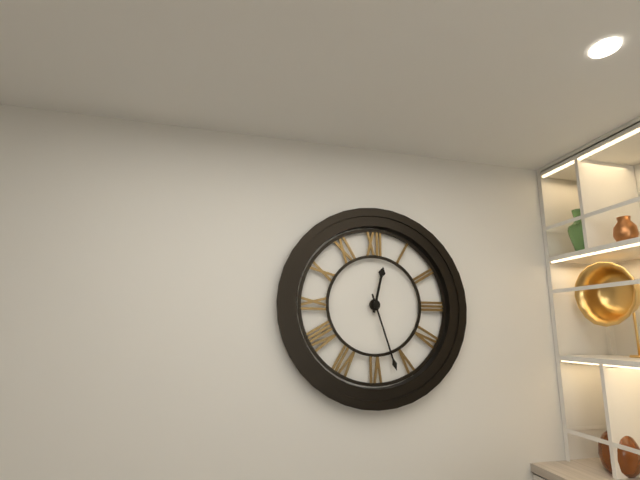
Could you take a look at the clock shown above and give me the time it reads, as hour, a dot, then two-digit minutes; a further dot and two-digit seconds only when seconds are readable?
12.27
